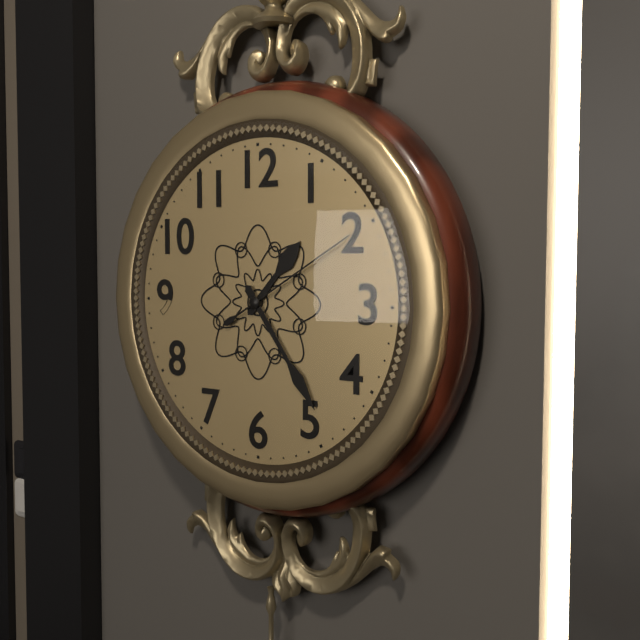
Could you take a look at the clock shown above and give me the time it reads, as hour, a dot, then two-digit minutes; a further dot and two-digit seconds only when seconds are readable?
1.24.10
